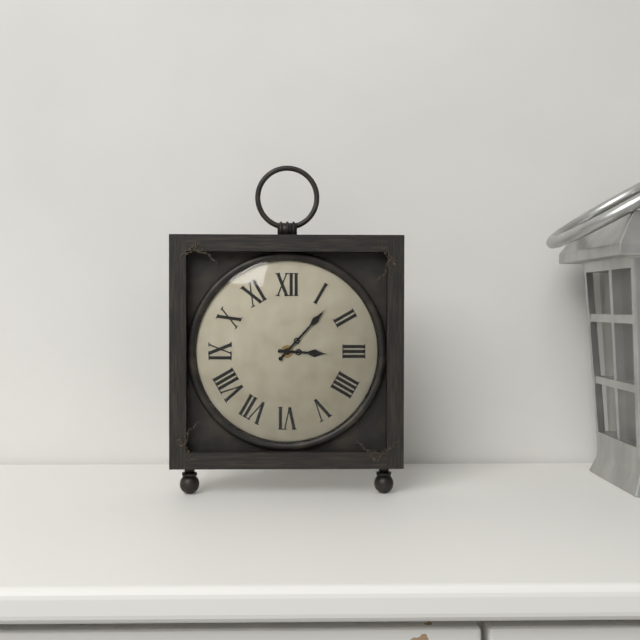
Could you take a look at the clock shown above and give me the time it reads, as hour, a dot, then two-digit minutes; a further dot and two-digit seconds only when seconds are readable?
3.07
